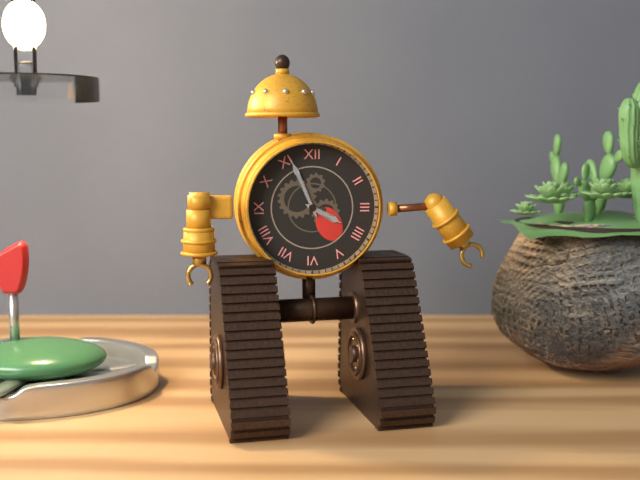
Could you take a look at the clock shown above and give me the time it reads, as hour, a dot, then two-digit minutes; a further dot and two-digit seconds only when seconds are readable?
3.56
